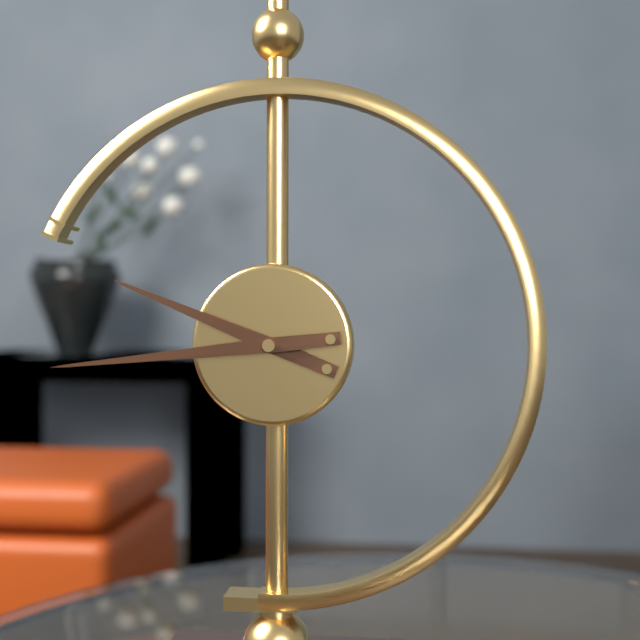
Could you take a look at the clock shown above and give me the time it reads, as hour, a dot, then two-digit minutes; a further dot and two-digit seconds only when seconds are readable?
9.44
